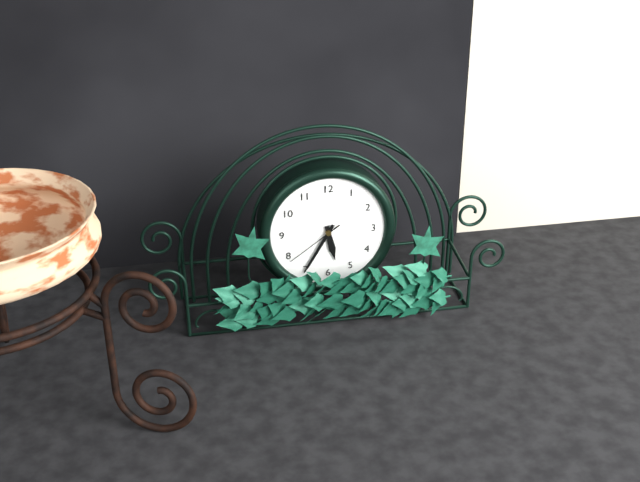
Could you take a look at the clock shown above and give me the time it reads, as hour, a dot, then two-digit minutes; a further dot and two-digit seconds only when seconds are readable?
5.35.39
